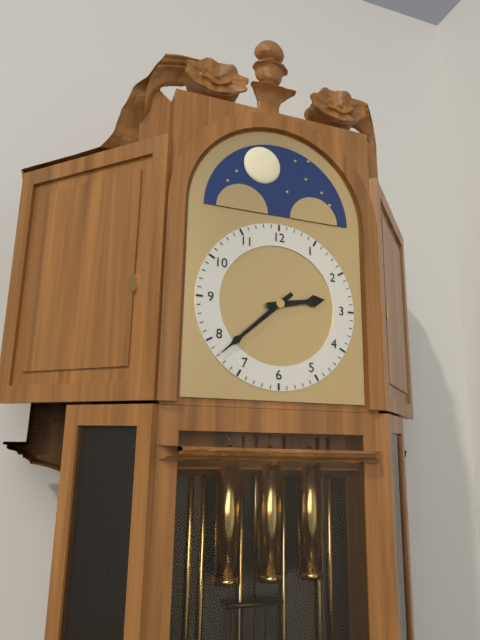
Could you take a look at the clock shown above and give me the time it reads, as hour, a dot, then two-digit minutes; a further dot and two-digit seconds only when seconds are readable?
2.38
